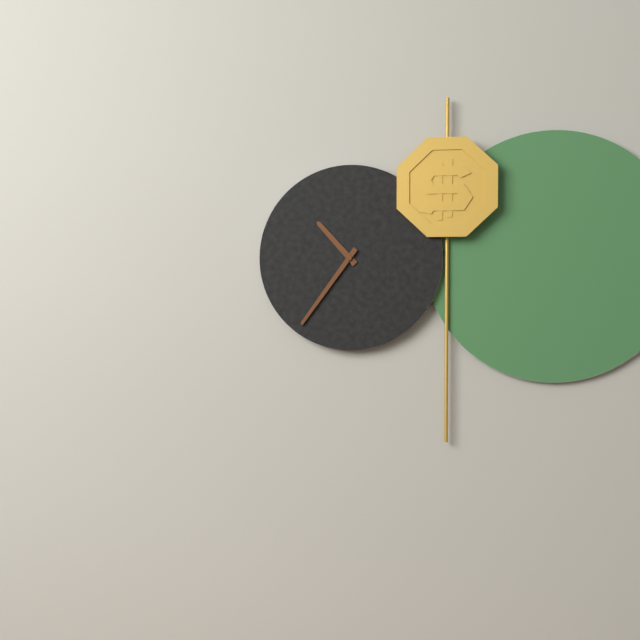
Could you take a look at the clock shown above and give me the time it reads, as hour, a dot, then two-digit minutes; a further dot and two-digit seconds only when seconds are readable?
10.36
